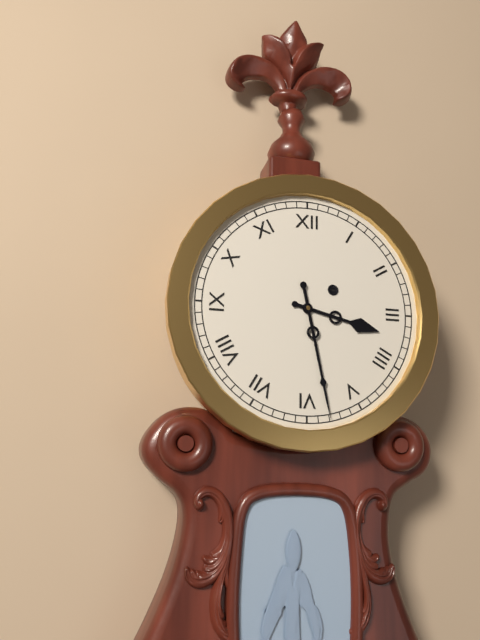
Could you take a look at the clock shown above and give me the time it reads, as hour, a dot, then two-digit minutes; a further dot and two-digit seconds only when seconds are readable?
3.28
